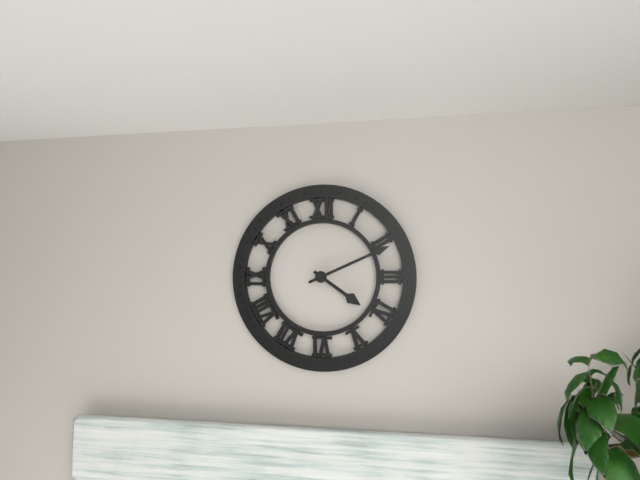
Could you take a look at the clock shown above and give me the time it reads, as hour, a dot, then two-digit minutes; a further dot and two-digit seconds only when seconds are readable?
4.11
